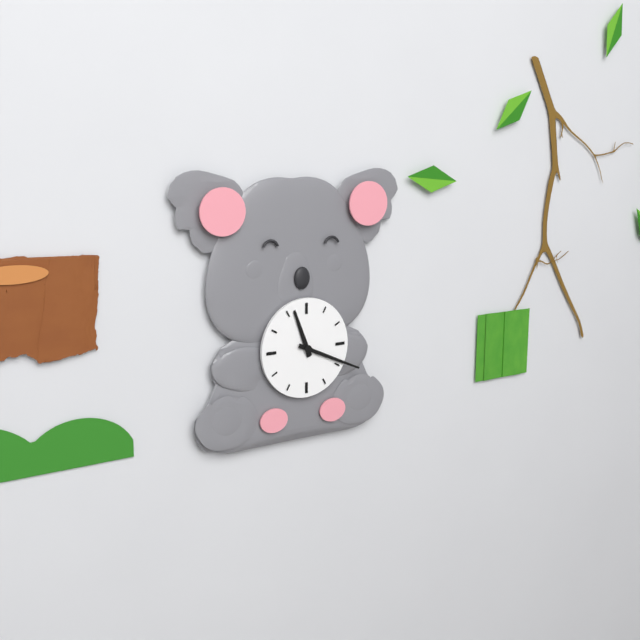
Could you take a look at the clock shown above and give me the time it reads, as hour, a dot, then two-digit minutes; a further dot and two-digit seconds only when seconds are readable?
11.19
